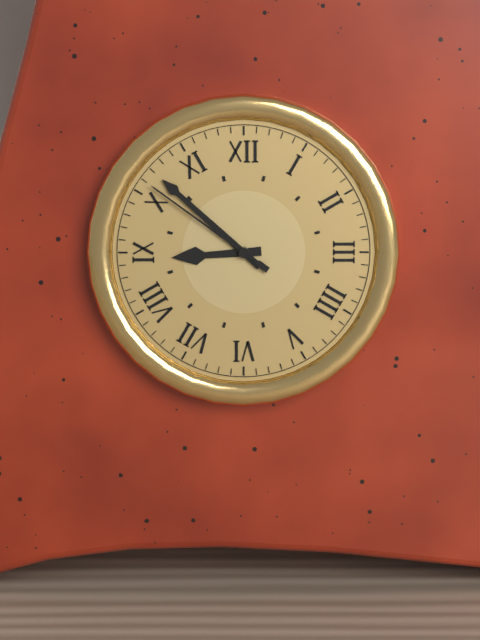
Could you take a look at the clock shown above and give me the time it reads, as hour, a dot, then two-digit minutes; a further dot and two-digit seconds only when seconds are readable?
8.52.51
